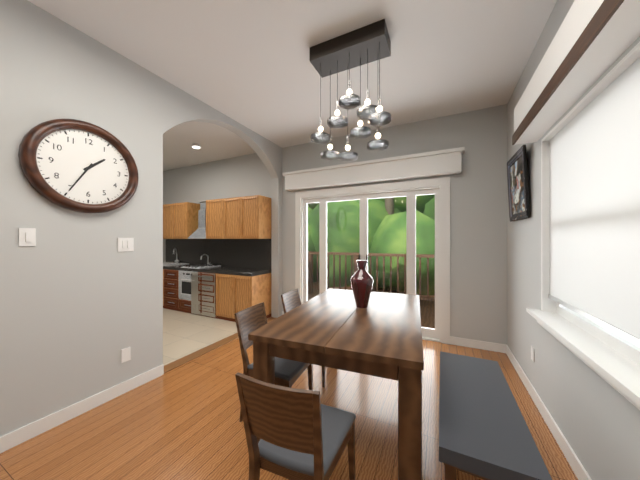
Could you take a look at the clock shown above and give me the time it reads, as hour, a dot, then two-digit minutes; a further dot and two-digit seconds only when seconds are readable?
1.35
